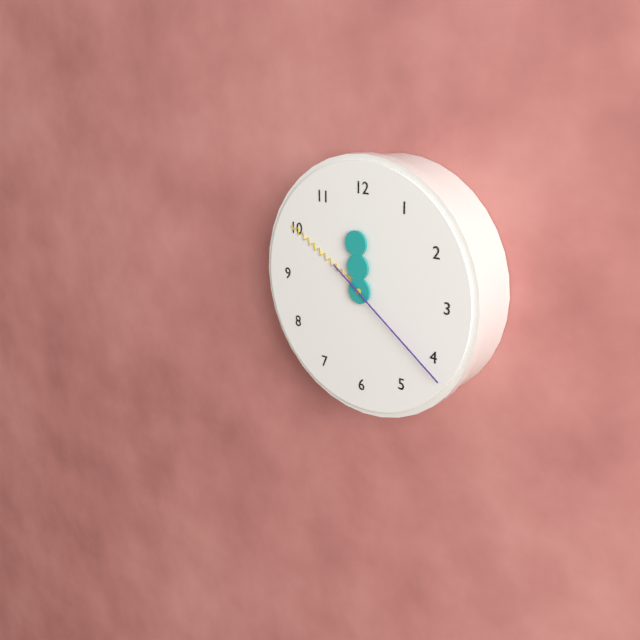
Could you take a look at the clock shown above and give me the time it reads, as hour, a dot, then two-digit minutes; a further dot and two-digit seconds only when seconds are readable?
11.50.21
